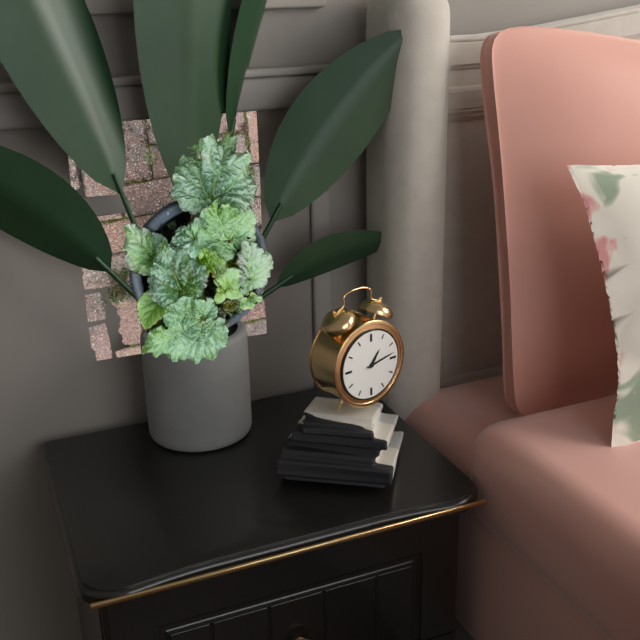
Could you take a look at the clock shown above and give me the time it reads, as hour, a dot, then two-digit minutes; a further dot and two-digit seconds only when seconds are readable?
1.13
